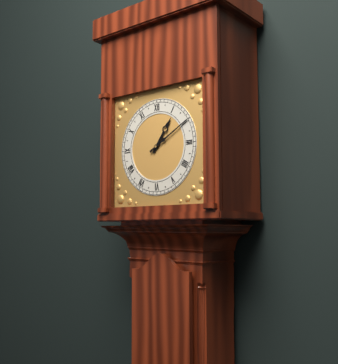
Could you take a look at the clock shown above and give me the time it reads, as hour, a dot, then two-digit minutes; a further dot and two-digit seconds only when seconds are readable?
1.10
